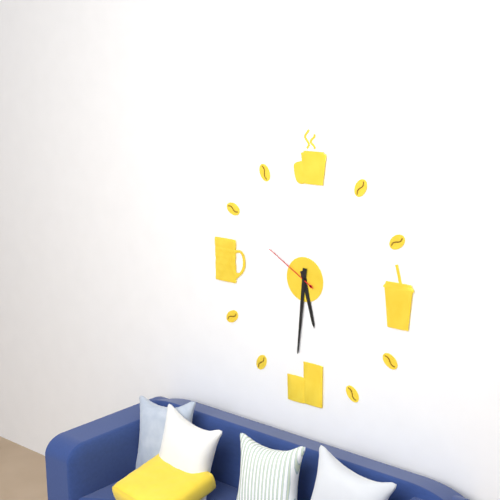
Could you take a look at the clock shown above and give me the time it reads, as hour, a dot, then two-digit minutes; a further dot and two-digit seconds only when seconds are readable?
5.31.50
